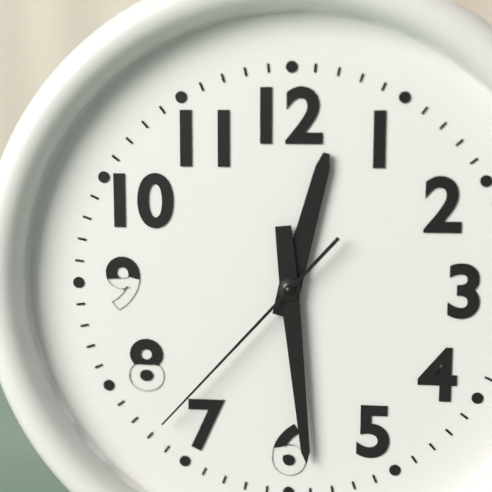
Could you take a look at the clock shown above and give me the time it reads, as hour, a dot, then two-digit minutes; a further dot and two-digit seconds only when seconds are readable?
12.29.37
